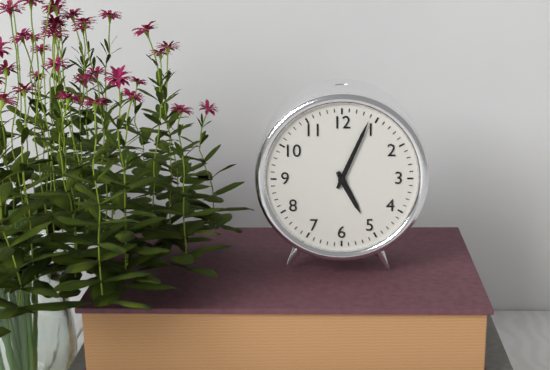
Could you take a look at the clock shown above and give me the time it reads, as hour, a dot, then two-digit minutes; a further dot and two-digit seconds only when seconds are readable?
5.04
